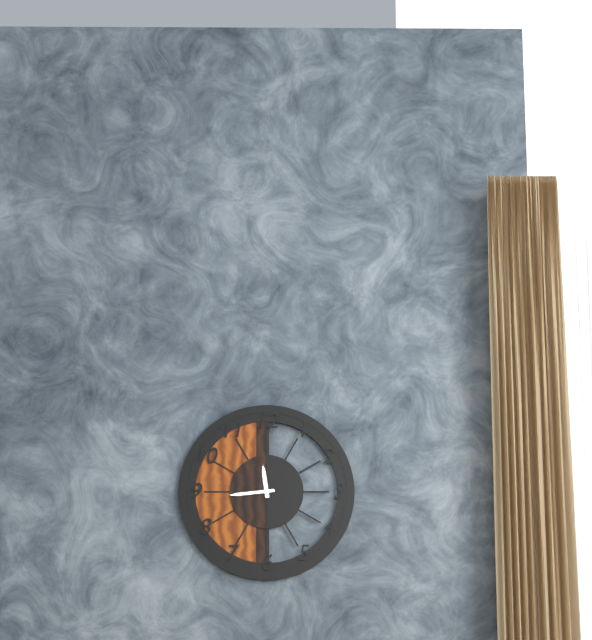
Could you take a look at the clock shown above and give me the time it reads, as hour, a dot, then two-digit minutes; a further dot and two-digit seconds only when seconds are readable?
11.44
